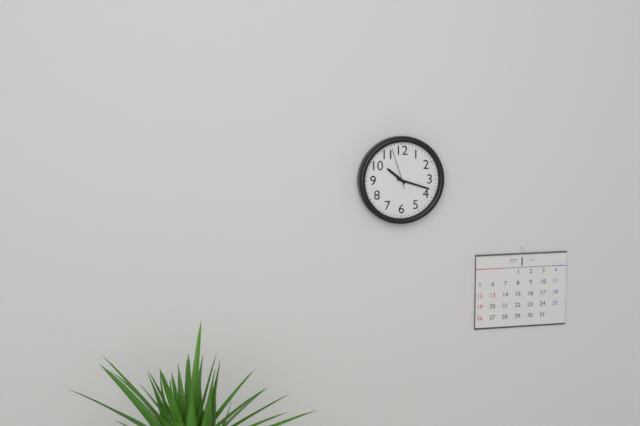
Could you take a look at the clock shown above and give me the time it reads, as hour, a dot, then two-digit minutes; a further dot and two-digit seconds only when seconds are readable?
10.18
